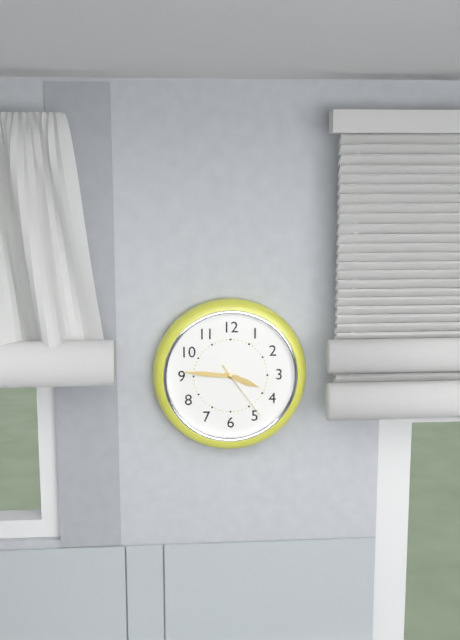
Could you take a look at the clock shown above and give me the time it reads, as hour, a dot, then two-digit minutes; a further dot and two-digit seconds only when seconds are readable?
3.46.24
